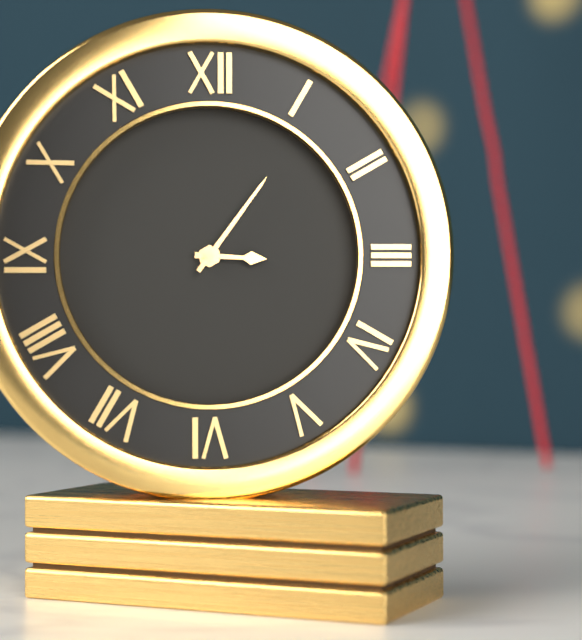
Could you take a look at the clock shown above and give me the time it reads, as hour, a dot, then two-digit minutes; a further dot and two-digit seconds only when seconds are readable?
3.06
